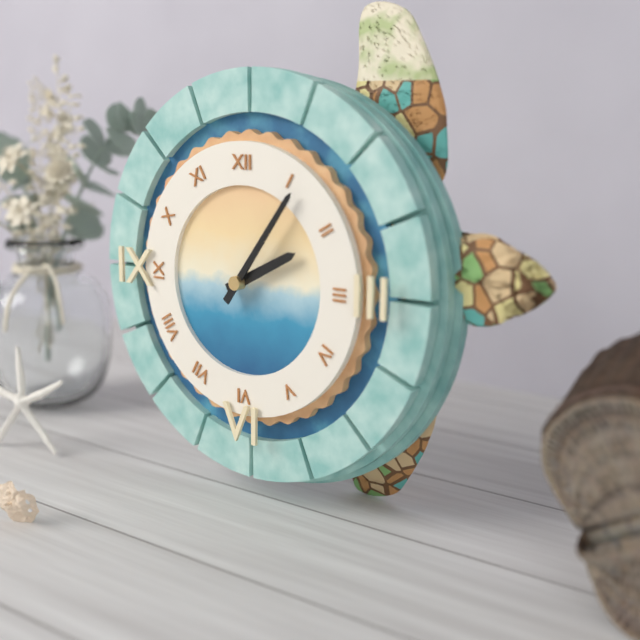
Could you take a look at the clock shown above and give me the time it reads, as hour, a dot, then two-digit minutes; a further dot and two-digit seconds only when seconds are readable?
2.06
